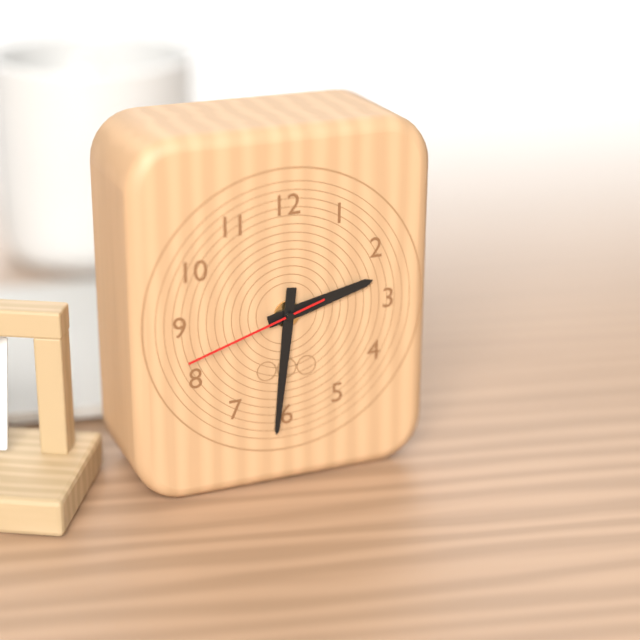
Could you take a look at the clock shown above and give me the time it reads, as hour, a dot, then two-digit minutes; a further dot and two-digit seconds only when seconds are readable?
2.31.42
